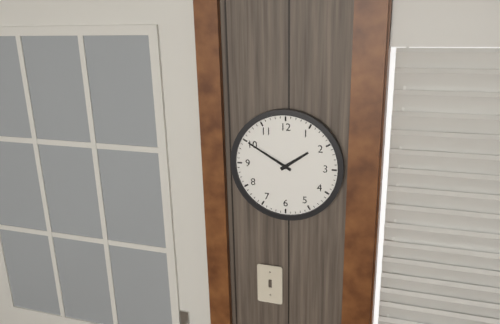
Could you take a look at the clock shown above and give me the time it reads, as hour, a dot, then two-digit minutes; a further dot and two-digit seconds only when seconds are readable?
1.50
